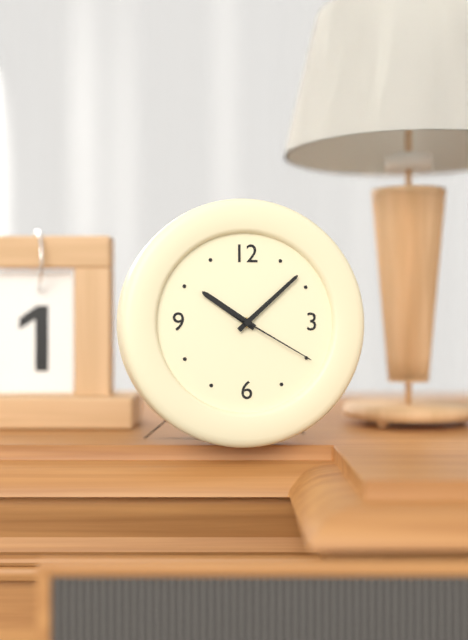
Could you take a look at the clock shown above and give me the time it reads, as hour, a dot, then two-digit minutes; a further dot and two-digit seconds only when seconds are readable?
10.08.20
